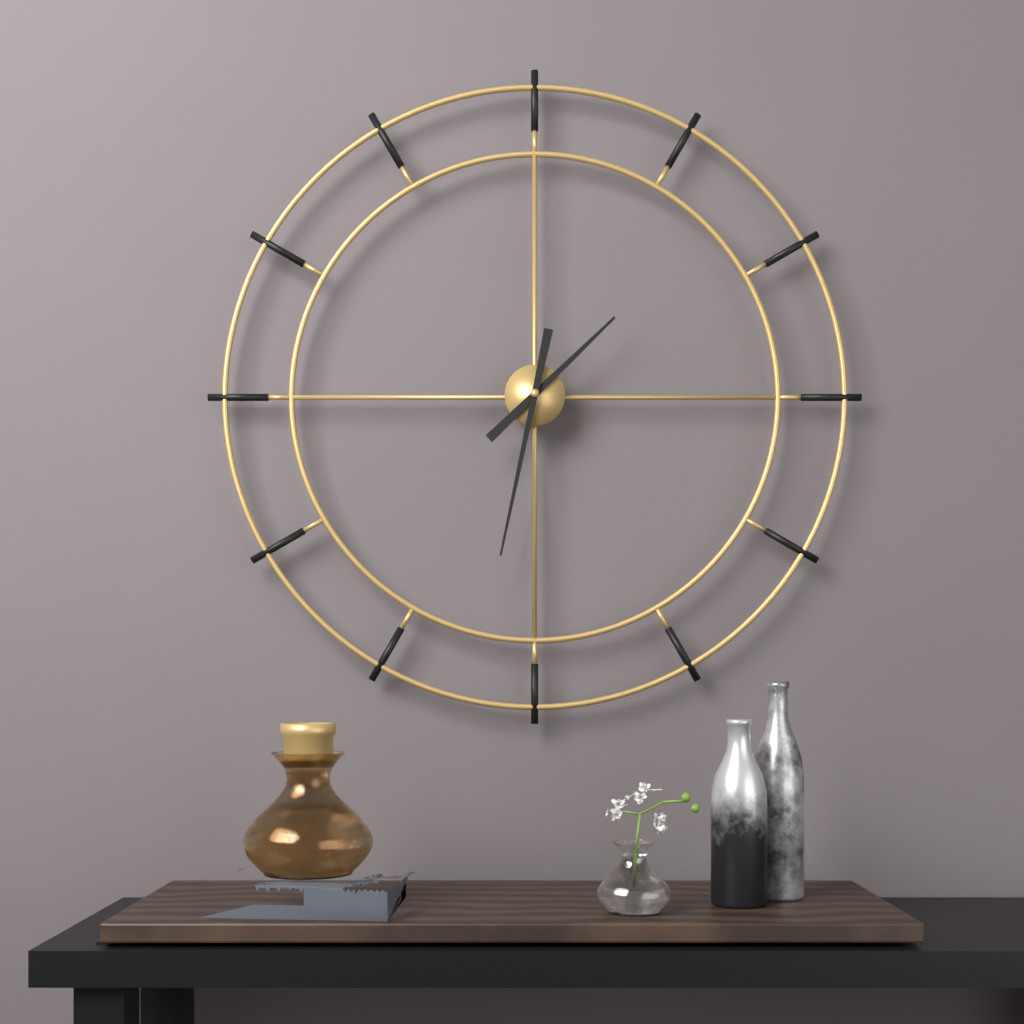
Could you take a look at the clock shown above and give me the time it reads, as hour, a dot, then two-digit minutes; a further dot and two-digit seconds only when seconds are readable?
1.32
